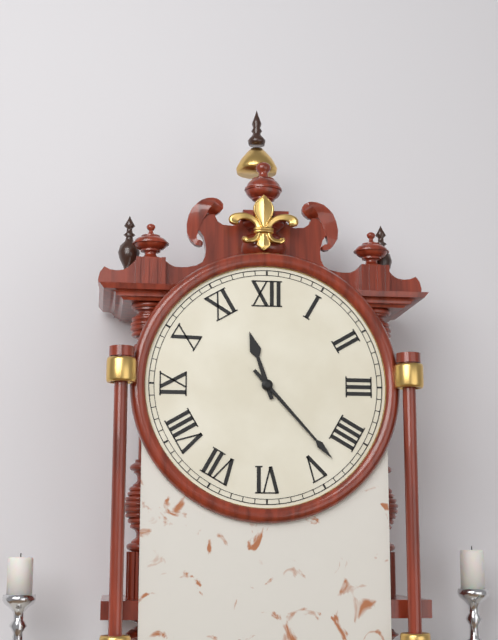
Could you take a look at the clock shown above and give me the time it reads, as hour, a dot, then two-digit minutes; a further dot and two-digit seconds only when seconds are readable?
11.23
